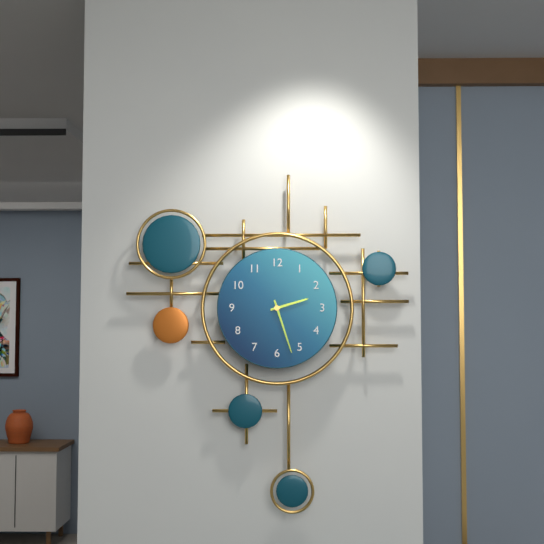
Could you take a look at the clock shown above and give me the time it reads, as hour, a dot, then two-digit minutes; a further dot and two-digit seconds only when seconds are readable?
2.27
